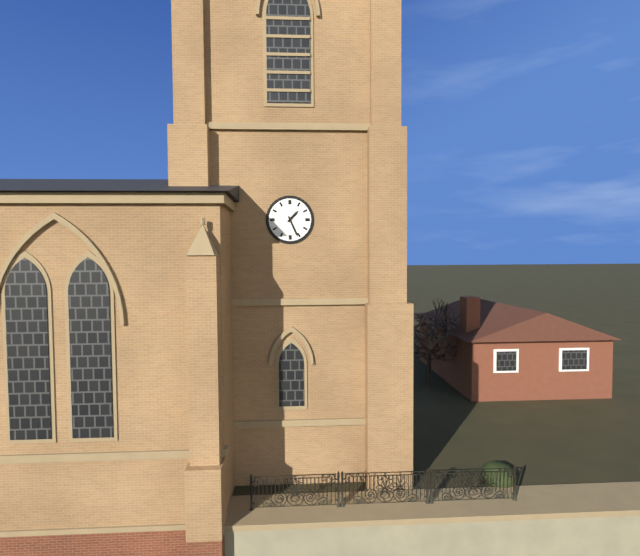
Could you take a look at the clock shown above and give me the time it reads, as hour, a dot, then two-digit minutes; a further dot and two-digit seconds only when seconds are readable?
1.26
